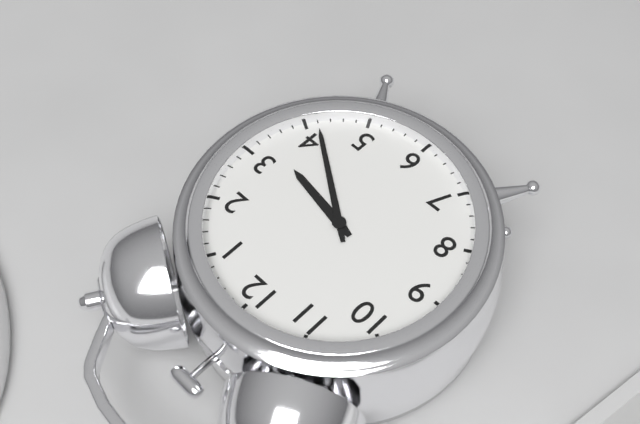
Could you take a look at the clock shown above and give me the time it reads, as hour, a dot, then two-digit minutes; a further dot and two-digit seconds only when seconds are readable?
3.21
